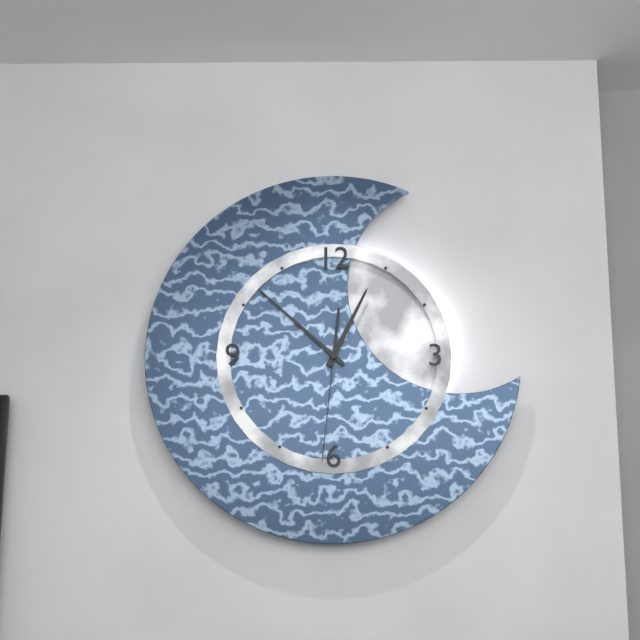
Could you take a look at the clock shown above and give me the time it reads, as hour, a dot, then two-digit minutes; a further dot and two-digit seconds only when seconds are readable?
12.52.31
